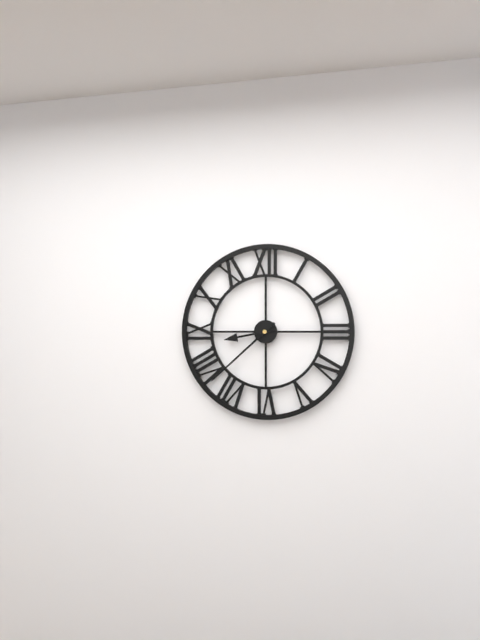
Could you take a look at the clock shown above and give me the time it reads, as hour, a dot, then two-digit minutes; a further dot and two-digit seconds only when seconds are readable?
8.38
